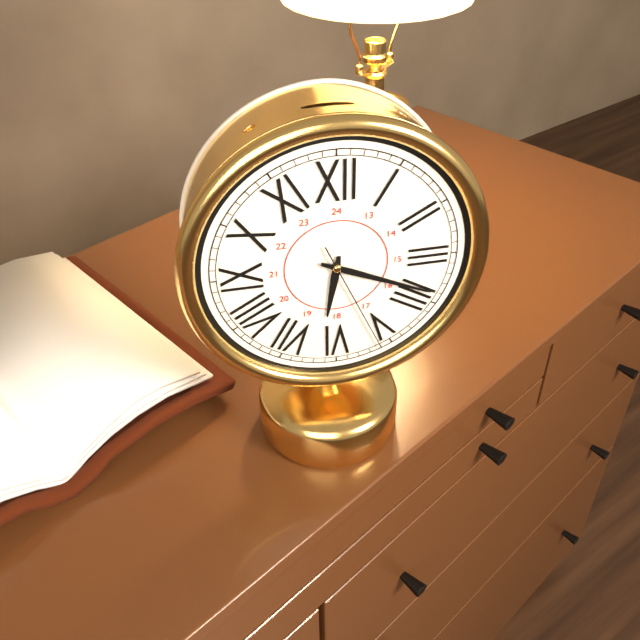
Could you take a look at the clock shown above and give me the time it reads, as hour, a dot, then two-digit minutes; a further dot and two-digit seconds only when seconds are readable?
6.19.26
